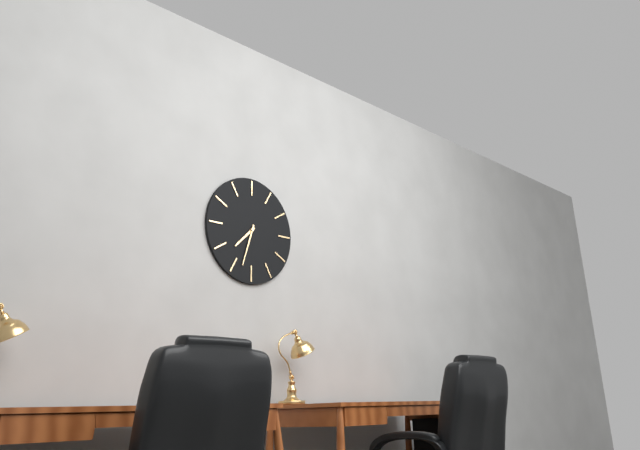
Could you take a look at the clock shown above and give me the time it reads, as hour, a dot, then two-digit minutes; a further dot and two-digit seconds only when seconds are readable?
7.33
